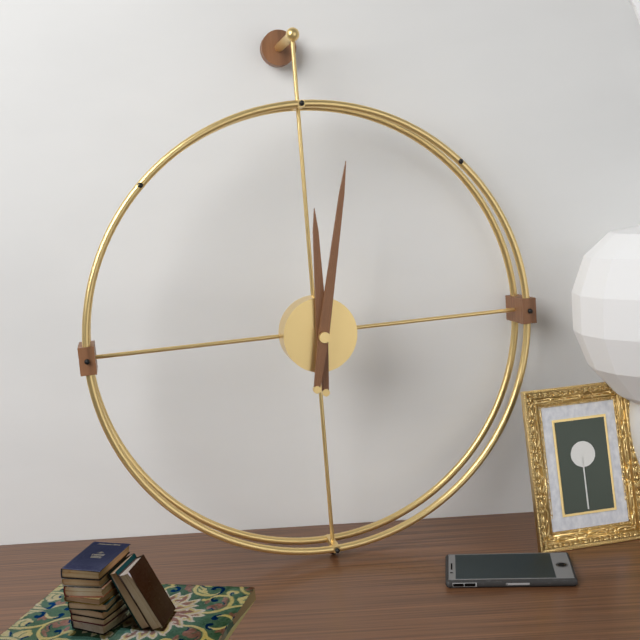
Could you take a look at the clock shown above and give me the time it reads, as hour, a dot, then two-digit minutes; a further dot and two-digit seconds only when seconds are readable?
12.02
